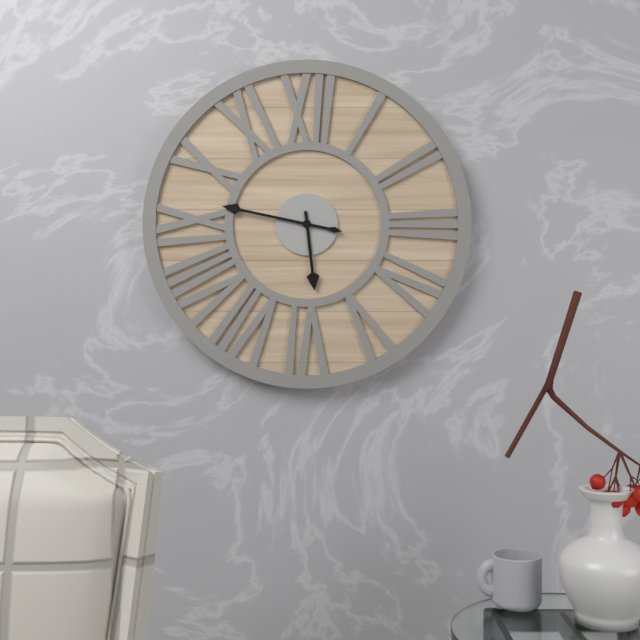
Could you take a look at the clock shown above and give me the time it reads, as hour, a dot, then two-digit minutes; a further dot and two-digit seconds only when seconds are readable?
5.47
